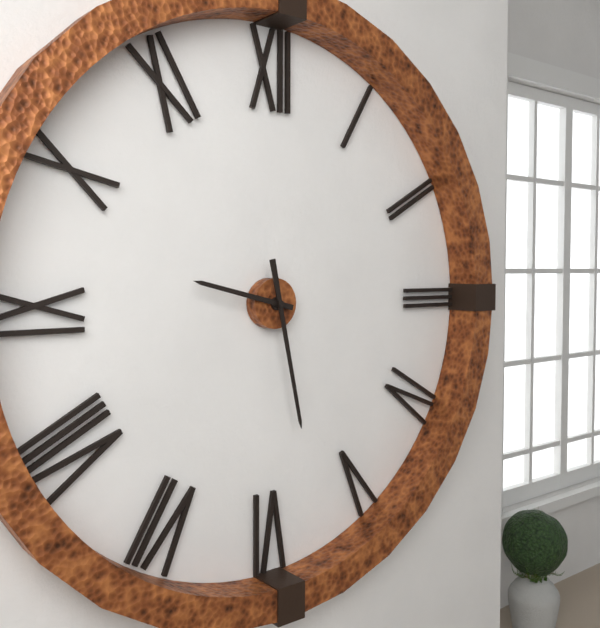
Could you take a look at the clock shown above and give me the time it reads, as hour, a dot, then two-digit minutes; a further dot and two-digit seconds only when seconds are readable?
9.28
